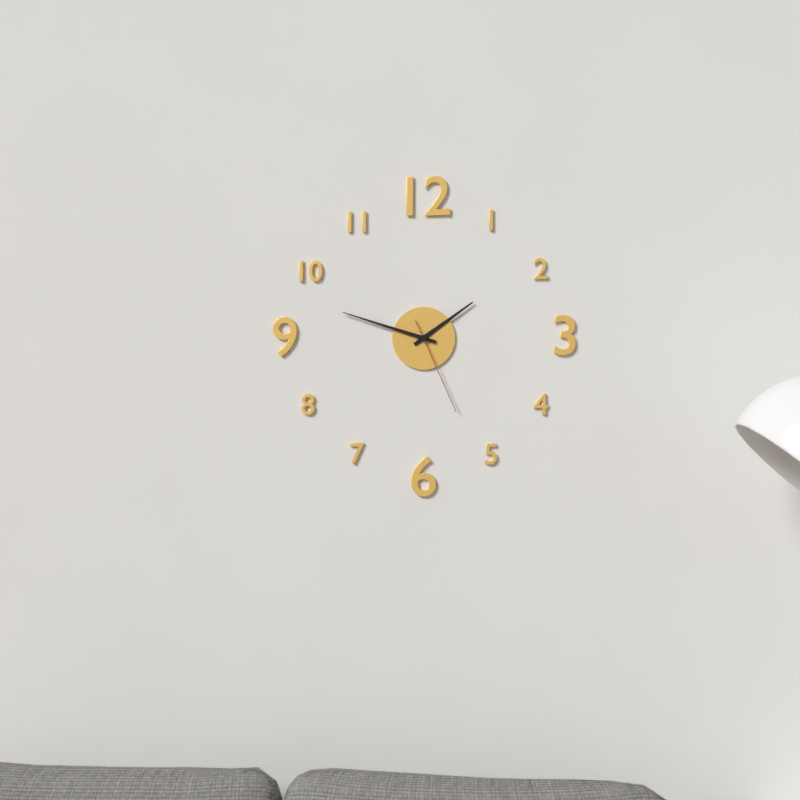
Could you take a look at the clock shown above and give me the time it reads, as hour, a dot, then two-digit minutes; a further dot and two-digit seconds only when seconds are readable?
1.48.26
